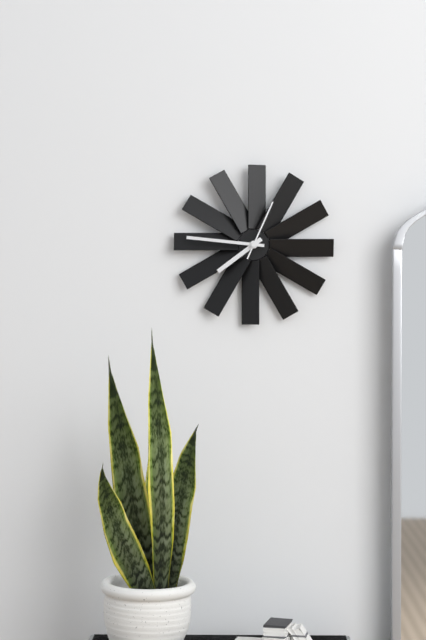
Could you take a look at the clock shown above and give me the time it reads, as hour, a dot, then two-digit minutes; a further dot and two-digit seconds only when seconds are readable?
7.46.04
